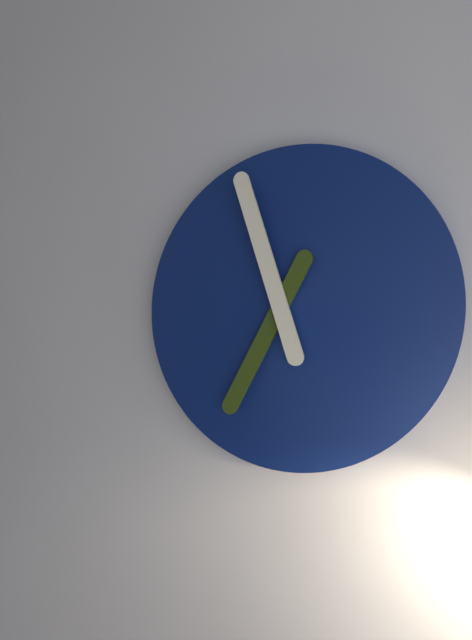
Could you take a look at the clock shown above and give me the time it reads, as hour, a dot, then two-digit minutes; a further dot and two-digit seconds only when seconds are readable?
6.57
